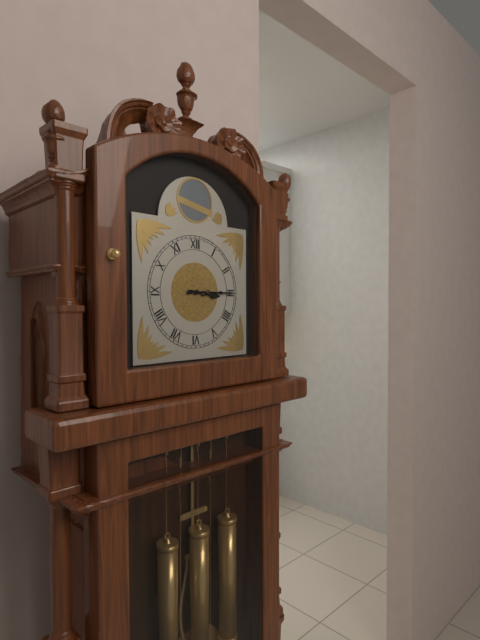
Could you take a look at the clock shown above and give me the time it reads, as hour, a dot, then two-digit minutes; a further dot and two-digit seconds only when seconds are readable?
3.15
